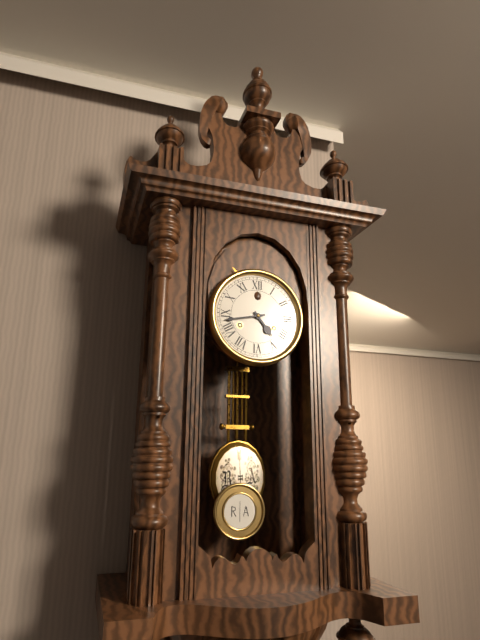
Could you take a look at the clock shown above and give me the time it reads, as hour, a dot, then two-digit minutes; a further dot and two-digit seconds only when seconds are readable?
4.43
